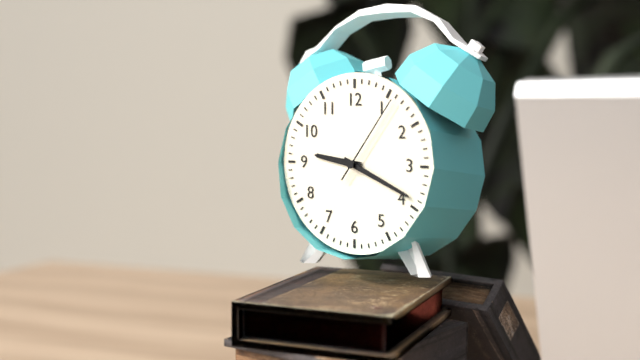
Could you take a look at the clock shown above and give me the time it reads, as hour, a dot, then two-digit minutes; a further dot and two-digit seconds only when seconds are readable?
9.19.06
